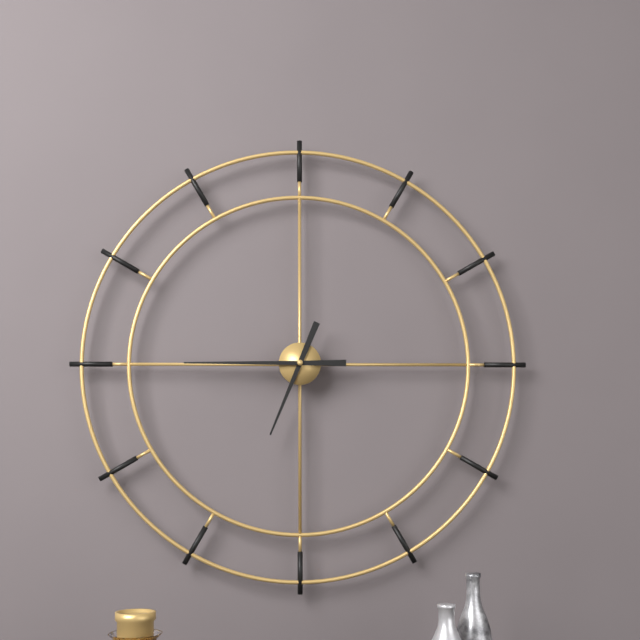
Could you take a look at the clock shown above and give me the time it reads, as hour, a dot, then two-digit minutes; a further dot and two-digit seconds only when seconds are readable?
6.45
